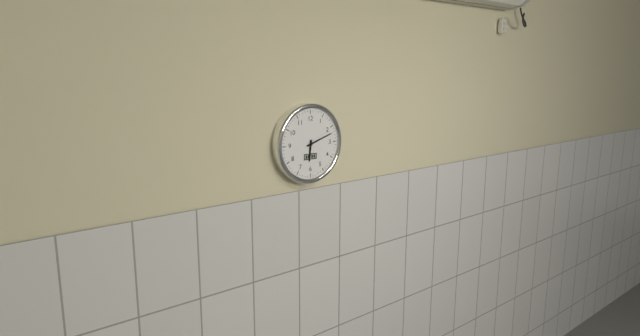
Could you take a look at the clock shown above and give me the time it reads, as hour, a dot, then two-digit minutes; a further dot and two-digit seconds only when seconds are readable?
6.12
